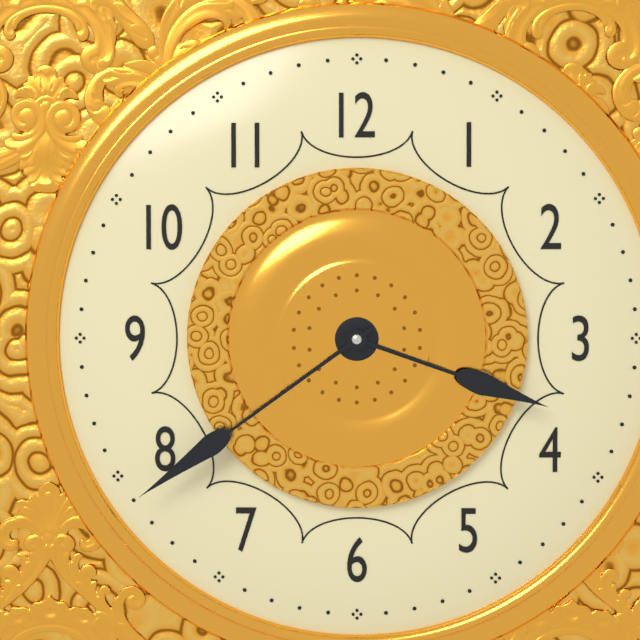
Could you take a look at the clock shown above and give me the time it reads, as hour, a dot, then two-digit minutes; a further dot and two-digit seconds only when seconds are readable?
3.39
